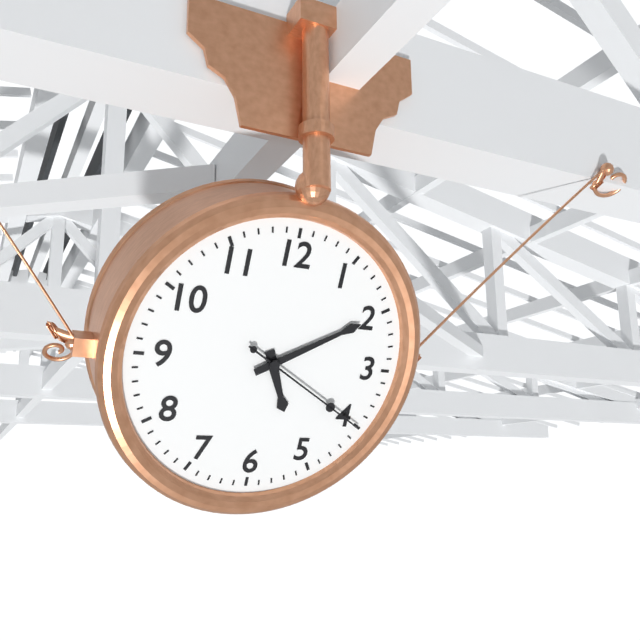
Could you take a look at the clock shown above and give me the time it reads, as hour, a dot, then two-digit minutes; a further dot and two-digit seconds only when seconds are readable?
5.10.20
